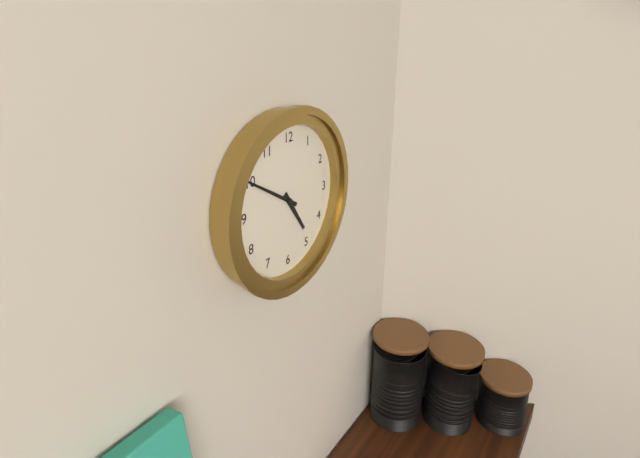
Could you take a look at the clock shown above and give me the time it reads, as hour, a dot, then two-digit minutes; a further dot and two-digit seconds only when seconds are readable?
4.50
